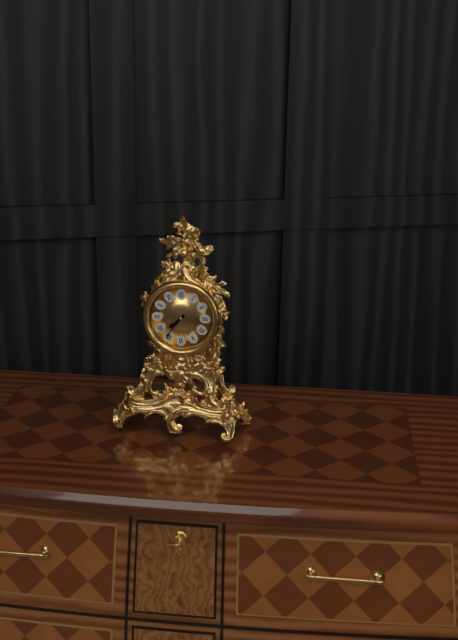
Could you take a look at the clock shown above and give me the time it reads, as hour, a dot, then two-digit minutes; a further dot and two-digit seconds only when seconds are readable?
7.36
